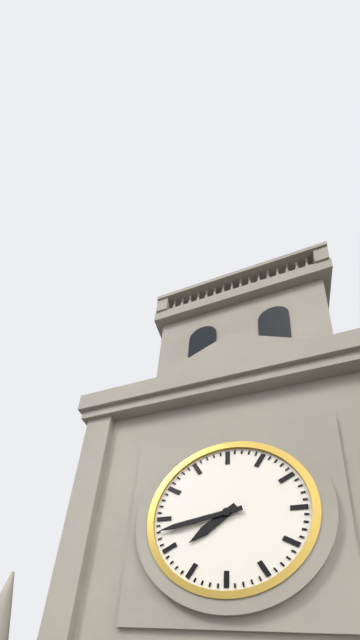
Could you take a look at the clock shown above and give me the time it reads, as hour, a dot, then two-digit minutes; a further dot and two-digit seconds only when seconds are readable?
7.43
